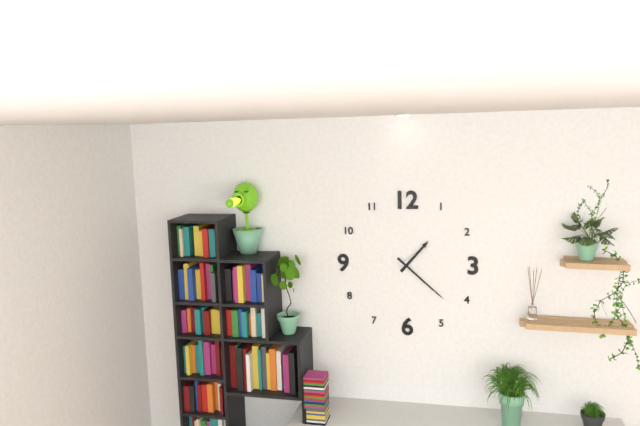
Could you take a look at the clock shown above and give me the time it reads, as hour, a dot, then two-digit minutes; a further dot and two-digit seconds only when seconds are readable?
1.22
